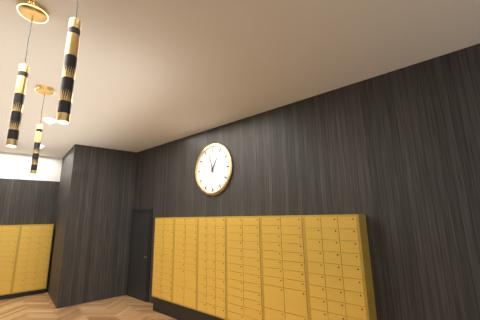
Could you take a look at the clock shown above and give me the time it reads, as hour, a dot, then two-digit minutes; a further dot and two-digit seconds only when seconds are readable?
12.57
